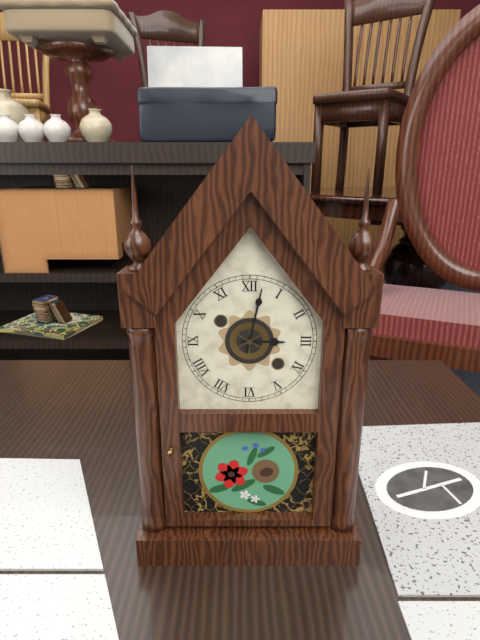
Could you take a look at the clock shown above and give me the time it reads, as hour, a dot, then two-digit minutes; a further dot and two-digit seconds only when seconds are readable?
3.02
